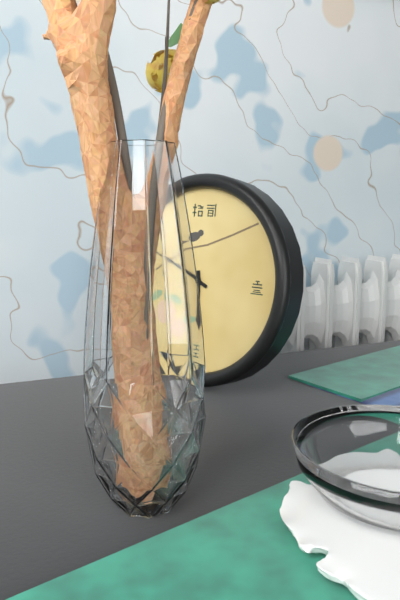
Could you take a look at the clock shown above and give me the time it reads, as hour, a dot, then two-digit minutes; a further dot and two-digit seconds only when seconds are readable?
5.49
